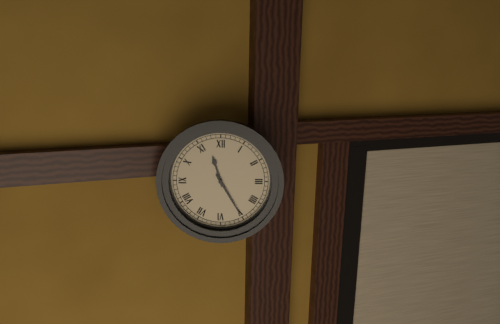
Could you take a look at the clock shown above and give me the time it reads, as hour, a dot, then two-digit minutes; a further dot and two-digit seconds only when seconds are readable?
11.25
